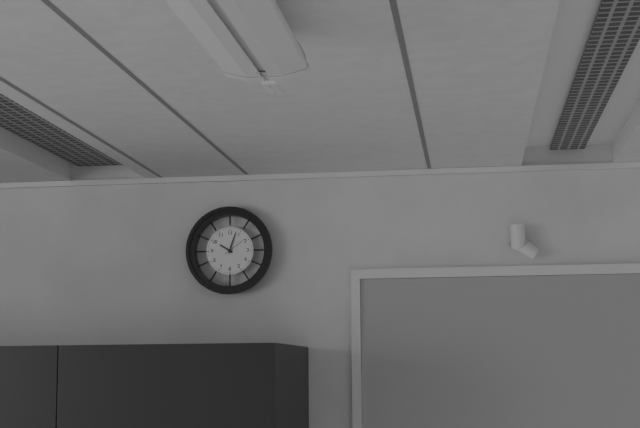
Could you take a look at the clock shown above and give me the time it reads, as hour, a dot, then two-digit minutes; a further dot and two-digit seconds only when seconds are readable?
10.03
